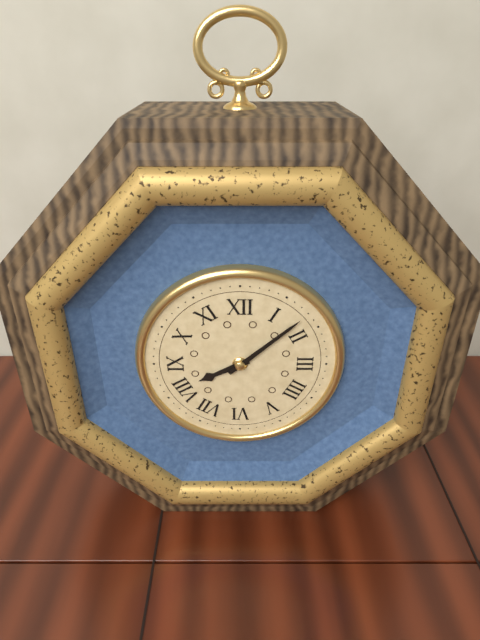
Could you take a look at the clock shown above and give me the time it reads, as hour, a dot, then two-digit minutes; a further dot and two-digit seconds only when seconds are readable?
8.08
